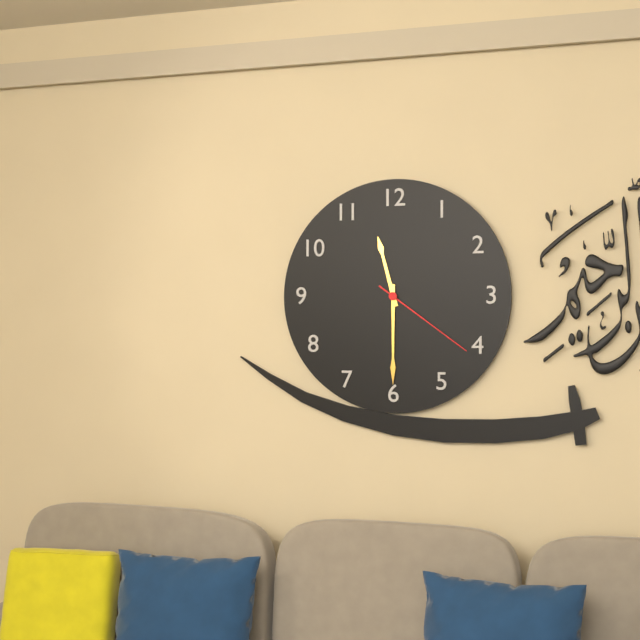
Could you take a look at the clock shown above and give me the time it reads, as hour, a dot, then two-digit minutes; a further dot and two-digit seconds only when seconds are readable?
11.30.21
